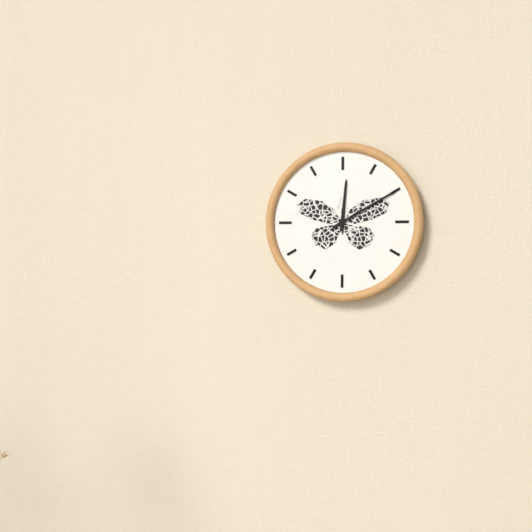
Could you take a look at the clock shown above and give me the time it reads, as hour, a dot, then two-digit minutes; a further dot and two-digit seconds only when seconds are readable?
12.10
